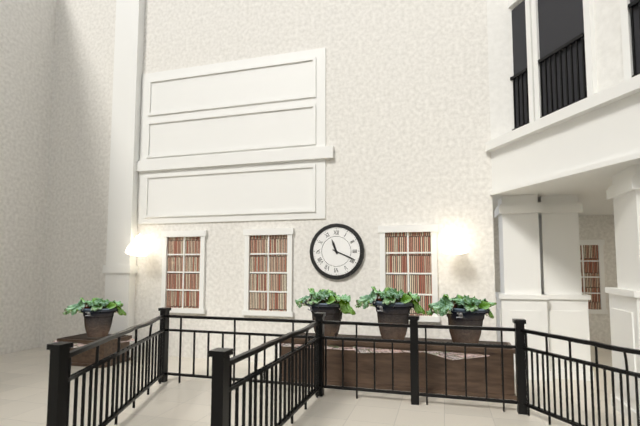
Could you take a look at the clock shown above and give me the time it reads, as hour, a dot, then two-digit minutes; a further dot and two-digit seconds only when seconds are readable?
11.19
